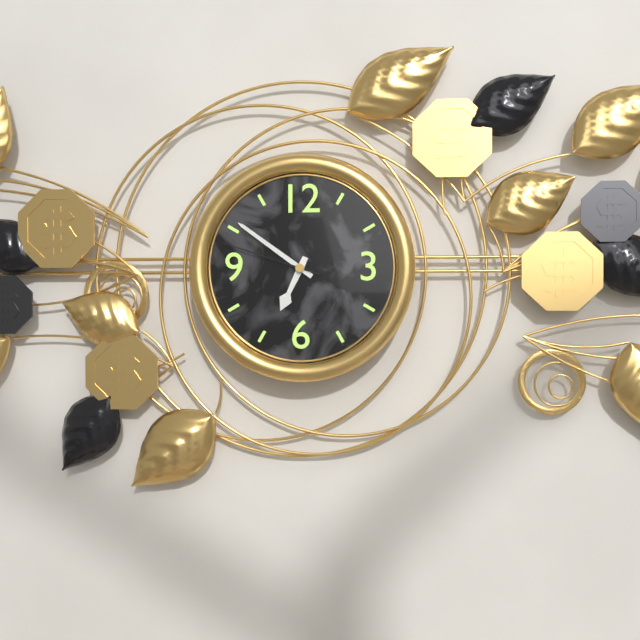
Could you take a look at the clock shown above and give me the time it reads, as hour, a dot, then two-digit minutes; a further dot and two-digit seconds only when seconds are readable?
6.51.48
